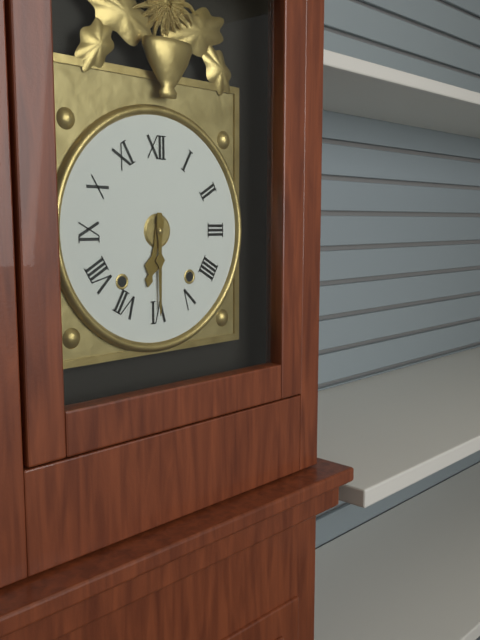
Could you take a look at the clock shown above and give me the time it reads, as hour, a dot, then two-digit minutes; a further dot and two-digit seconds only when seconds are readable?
6.30
